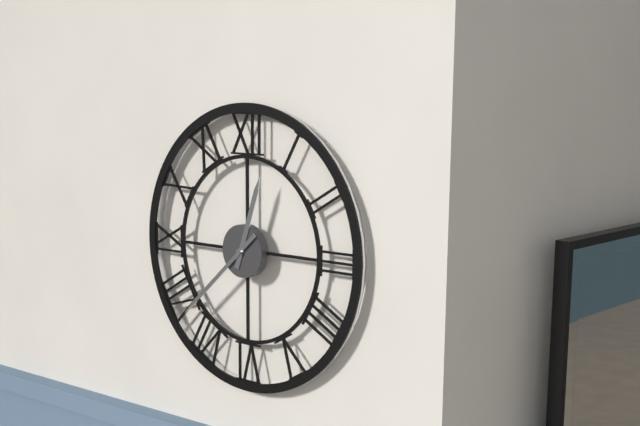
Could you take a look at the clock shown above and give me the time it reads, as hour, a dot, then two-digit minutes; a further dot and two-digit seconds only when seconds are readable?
12.38
